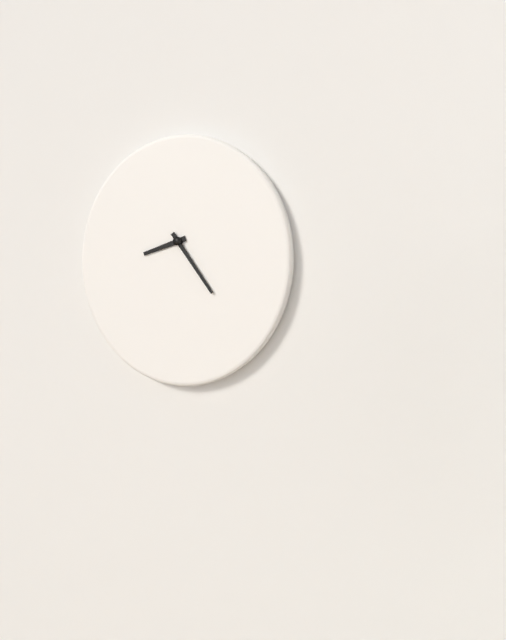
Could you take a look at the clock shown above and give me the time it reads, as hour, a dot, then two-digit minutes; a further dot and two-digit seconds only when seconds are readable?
8.24
